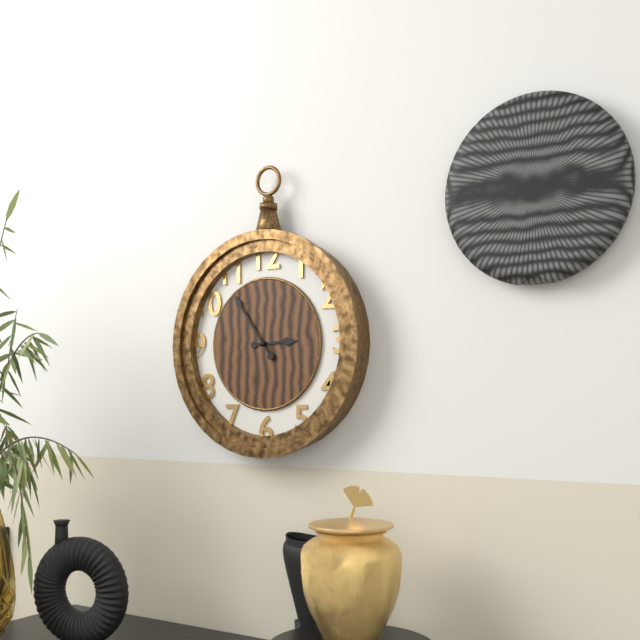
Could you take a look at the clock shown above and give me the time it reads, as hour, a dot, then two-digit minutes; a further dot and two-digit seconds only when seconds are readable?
2.54
